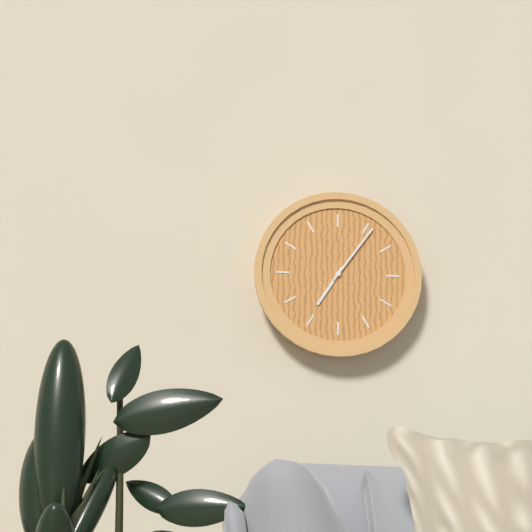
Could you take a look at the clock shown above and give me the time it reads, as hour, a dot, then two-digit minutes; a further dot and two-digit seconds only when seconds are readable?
7.06
